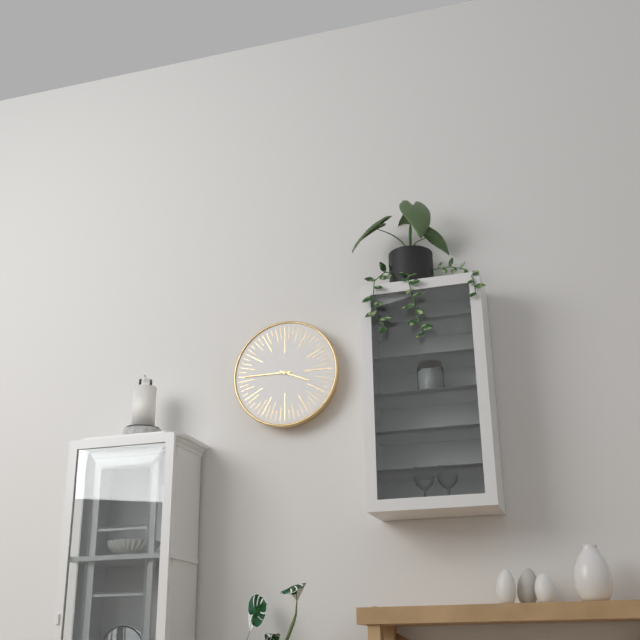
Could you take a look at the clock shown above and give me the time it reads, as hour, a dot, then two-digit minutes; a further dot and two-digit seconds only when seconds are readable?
3.45
